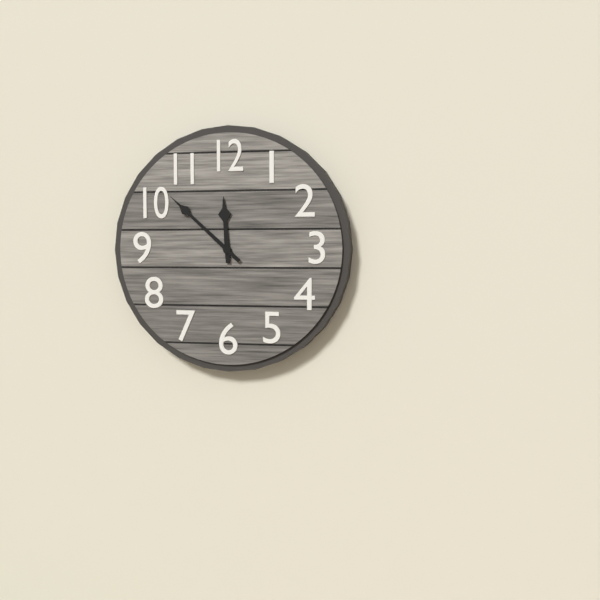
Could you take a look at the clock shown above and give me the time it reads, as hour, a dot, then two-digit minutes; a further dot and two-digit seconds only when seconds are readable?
11.52
